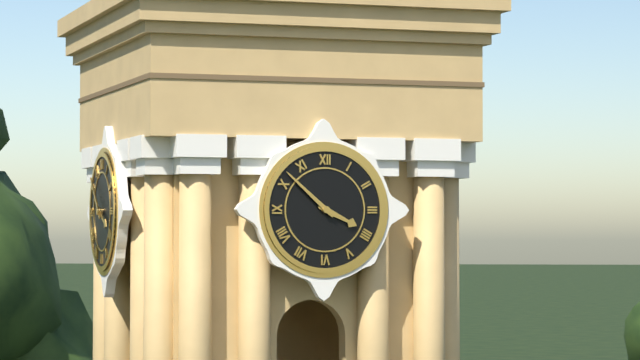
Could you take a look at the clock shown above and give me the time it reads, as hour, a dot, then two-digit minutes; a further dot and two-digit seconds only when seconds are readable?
3.52
